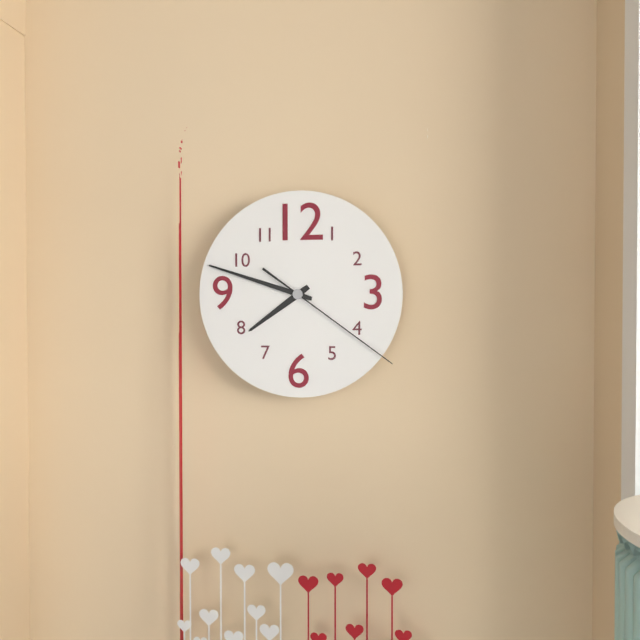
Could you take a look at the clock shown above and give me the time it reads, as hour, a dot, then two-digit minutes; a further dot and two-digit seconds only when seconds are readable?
7.48.21
